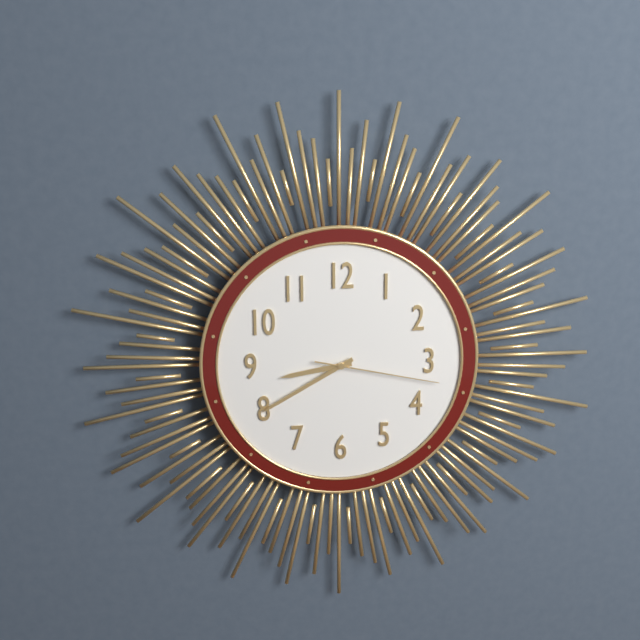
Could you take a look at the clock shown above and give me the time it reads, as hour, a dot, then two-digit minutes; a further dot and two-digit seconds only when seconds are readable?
8.40.17
